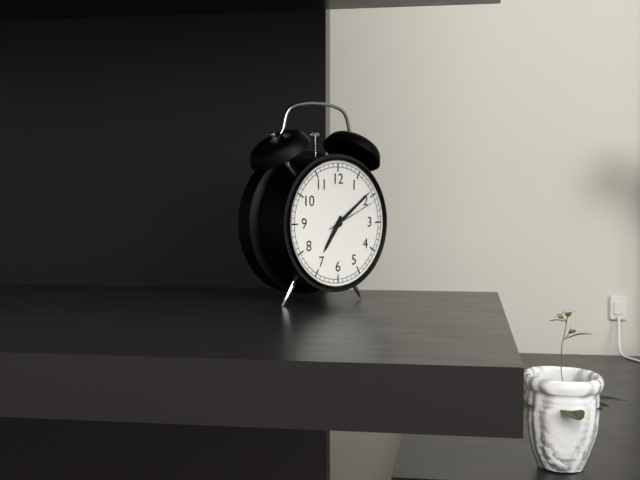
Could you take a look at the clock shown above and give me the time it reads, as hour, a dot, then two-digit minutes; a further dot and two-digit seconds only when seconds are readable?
7.09.11
